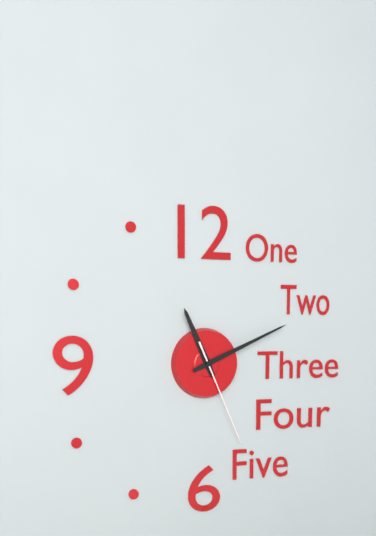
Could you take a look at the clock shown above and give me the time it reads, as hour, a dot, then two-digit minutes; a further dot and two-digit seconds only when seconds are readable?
11.11.26
